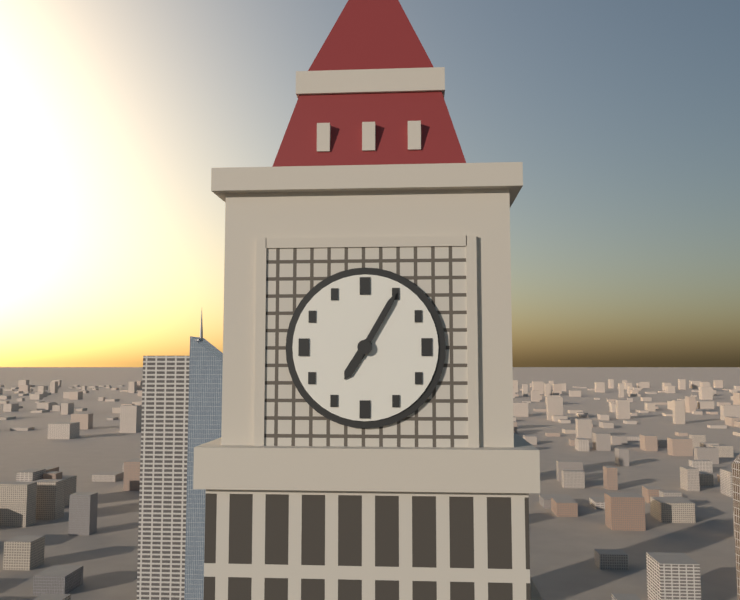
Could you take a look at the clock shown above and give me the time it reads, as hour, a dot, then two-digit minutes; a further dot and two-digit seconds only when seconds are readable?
7.05
